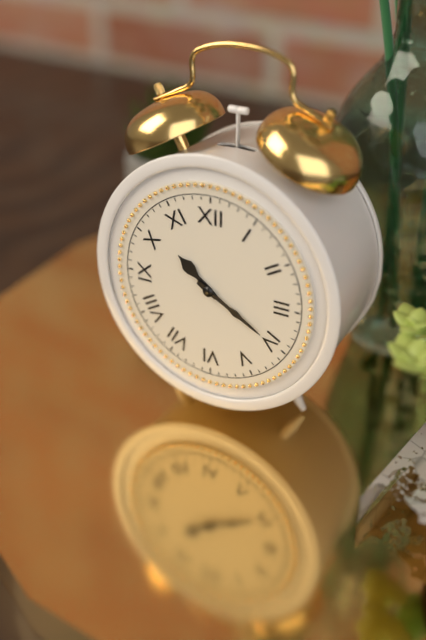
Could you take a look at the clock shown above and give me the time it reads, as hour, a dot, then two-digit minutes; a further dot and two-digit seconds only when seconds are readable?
10.20
